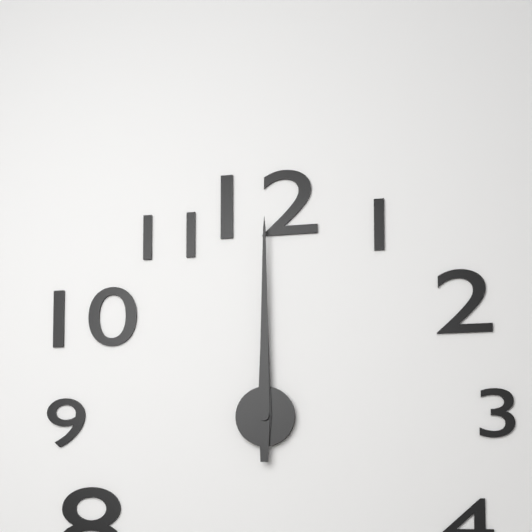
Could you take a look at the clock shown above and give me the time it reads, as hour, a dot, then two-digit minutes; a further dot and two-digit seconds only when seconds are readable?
12.00
